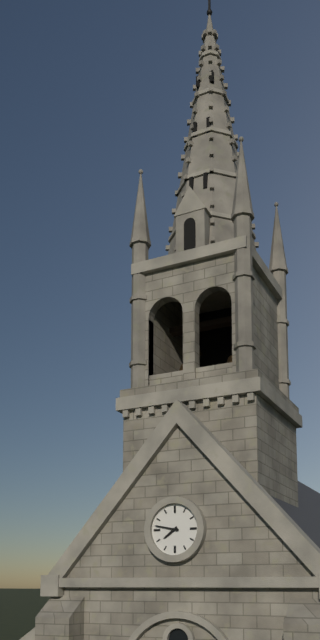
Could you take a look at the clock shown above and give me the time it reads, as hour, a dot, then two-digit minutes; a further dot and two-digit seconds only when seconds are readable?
7.47
